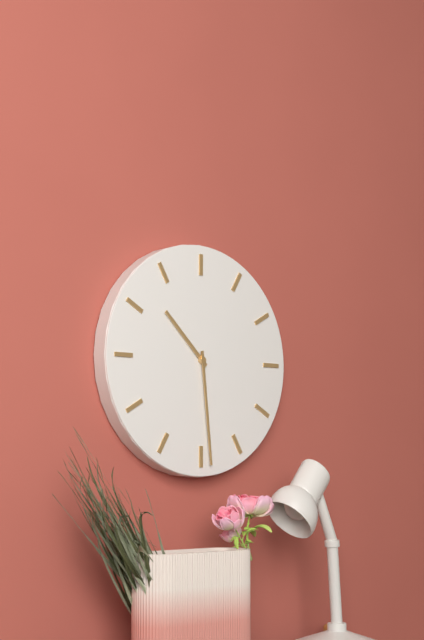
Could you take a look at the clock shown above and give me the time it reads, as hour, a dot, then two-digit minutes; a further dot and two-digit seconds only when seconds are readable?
10.29
